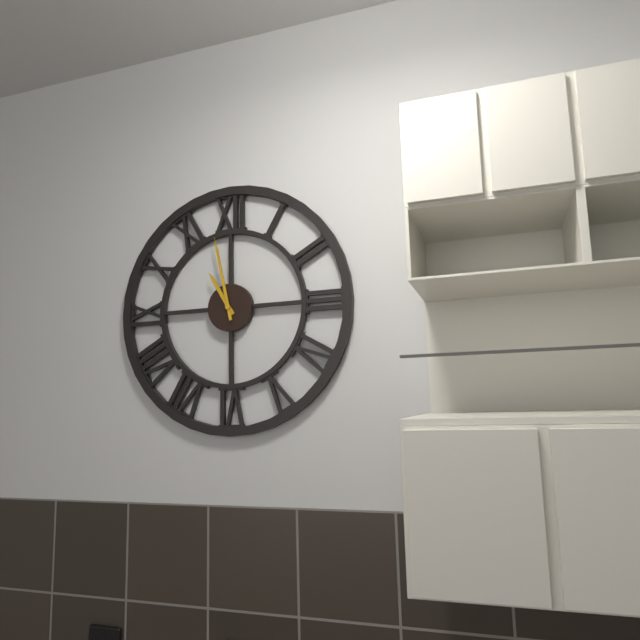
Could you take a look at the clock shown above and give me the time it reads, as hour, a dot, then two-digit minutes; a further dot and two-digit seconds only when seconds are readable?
10.58
